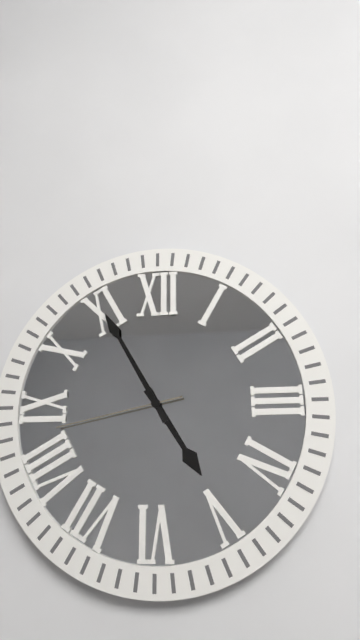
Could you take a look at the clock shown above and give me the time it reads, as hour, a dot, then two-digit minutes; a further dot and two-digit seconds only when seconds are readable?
4.55.43
